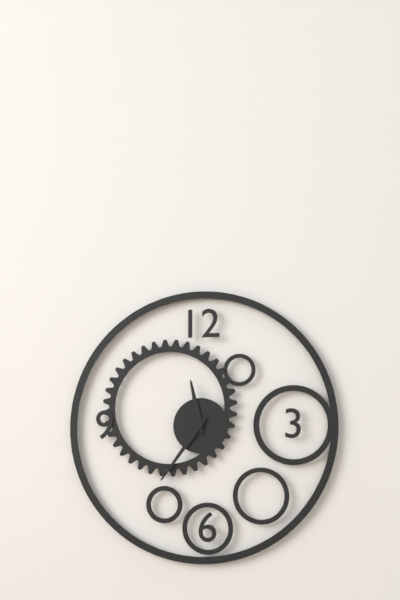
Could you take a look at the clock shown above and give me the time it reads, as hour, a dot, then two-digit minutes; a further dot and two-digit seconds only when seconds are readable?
11.36
